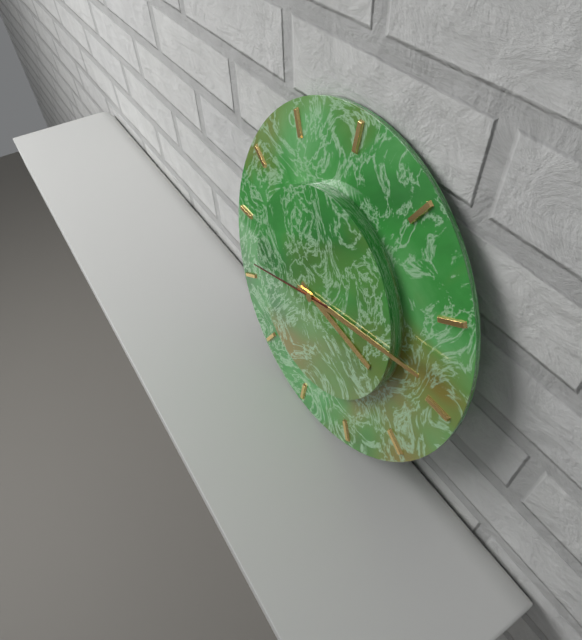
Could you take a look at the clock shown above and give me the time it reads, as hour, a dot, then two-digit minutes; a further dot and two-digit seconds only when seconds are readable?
3.13.42
